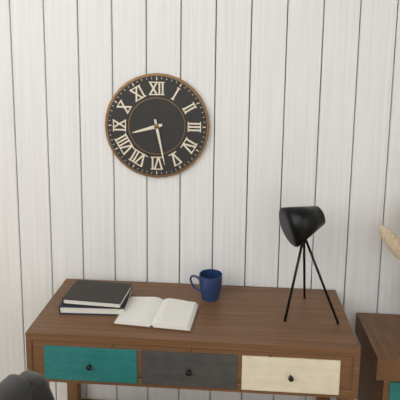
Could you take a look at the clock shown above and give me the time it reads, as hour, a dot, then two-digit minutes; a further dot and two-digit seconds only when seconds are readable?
8.28
